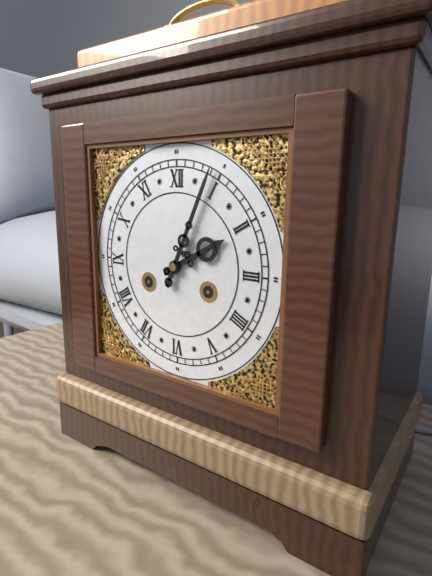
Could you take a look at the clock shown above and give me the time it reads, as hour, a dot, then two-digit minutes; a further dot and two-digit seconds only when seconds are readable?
2.04
